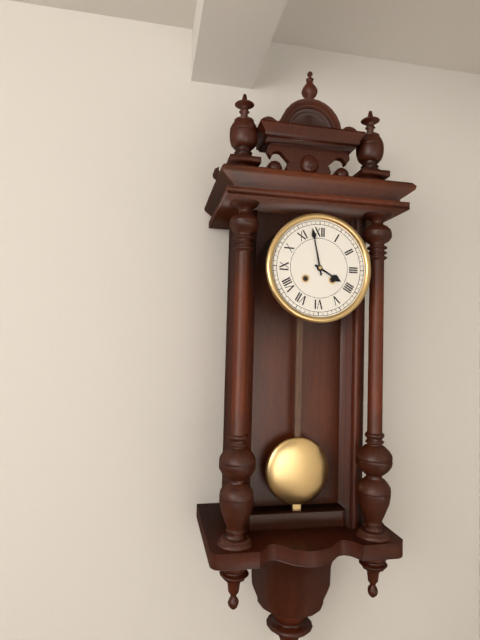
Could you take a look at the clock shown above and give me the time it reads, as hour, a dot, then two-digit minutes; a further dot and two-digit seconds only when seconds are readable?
3.58
